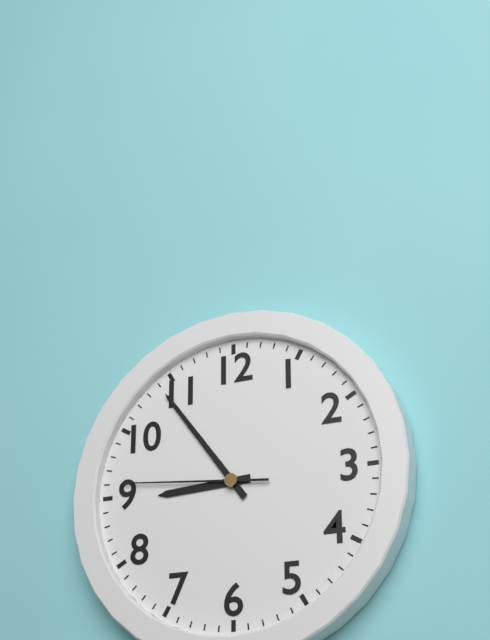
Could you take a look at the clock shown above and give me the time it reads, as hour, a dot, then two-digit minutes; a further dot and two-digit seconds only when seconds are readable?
8.54.46
